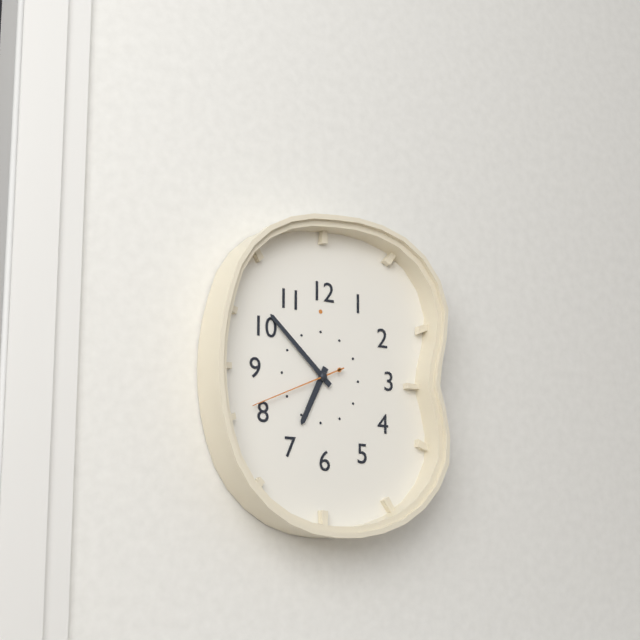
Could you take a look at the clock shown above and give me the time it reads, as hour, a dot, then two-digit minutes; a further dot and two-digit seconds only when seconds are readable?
6.52.41
